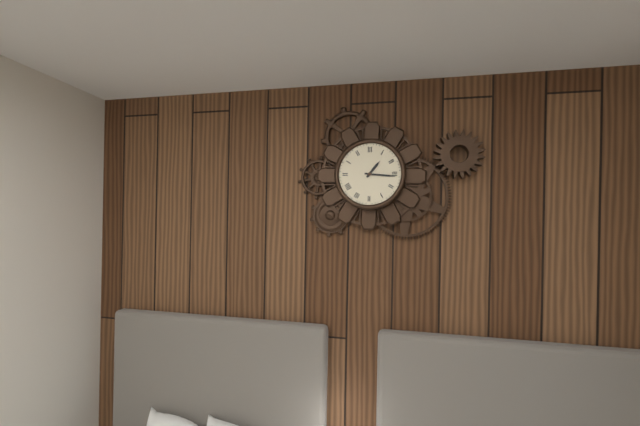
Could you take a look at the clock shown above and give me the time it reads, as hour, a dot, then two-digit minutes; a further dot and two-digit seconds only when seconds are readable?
1.16
